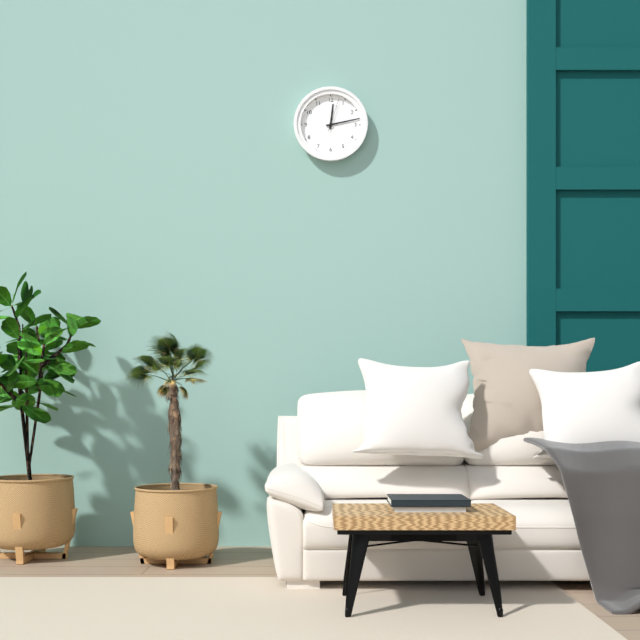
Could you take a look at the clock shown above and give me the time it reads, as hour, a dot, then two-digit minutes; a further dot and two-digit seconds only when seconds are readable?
12.13
